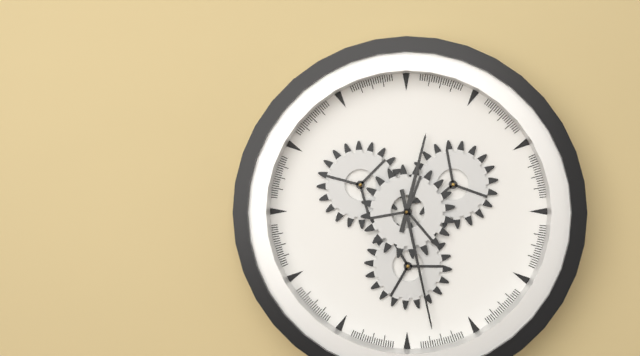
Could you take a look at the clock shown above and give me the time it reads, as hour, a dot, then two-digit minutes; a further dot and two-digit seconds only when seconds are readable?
12.28
